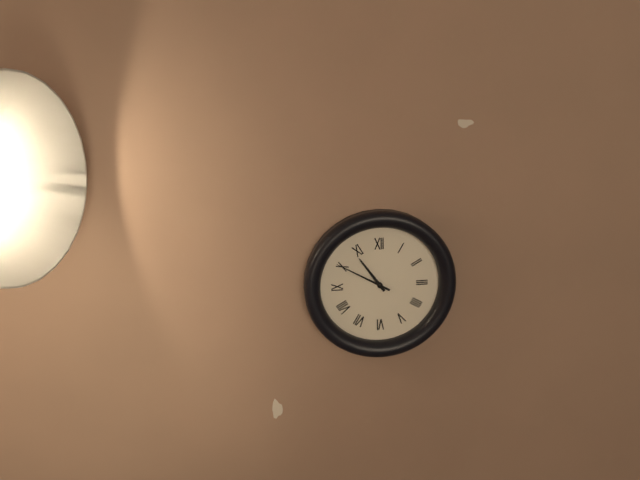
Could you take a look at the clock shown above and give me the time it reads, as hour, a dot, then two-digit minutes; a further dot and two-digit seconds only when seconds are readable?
10.50
